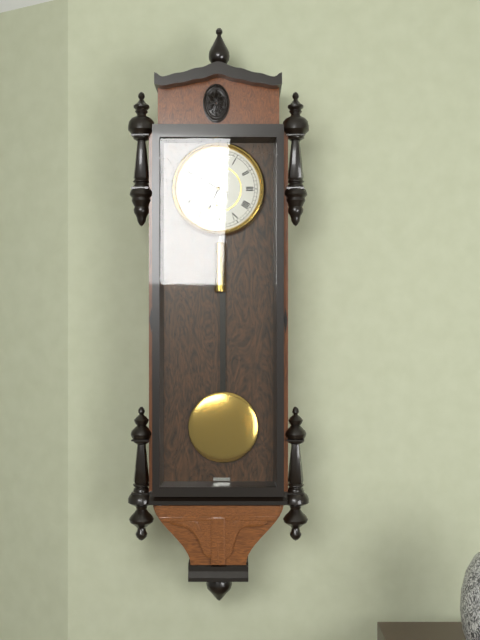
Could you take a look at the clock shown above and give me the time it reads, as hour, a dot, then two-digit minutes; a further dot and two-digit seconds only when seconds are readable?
6.50
